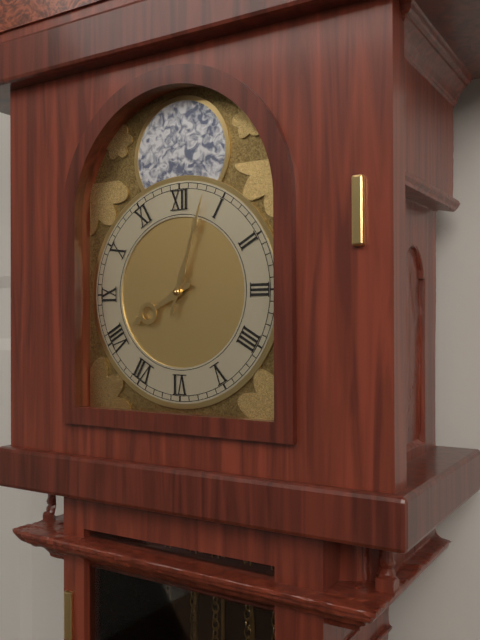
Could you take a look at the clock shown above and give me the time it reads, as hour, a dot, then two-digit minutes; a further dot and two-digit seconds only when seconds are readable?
8.03
